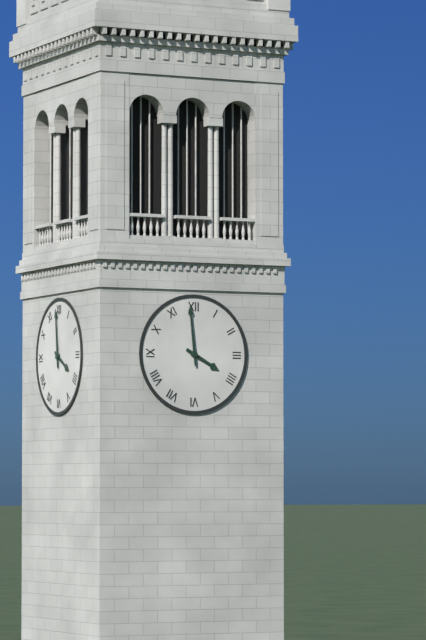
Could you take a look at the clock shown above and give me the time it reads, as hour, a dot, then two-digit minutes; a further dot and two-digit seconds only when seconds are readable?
3.59
